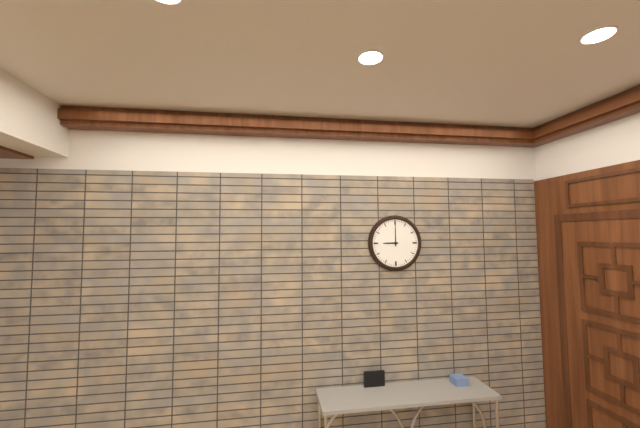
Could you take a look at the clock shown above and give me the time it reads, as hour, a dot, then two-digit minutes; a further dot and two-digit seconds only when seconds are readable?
9.00
